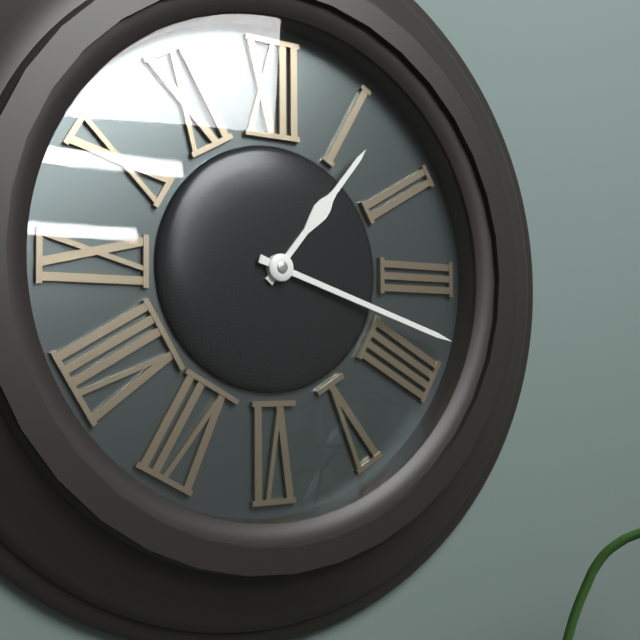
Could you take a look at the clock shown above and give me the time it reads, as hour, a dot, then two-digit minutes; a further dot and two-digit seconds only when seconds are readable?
1.18
